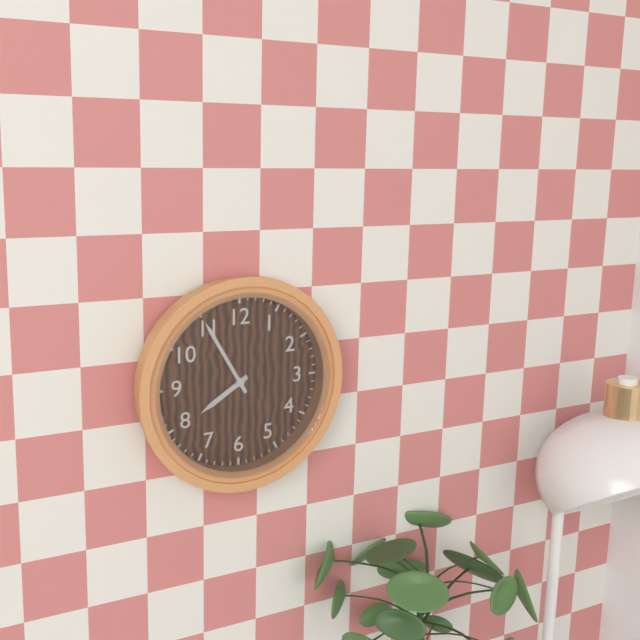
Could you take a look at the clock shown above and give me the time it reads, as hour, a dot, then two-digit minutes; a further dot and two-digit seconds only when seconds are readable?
7.55
